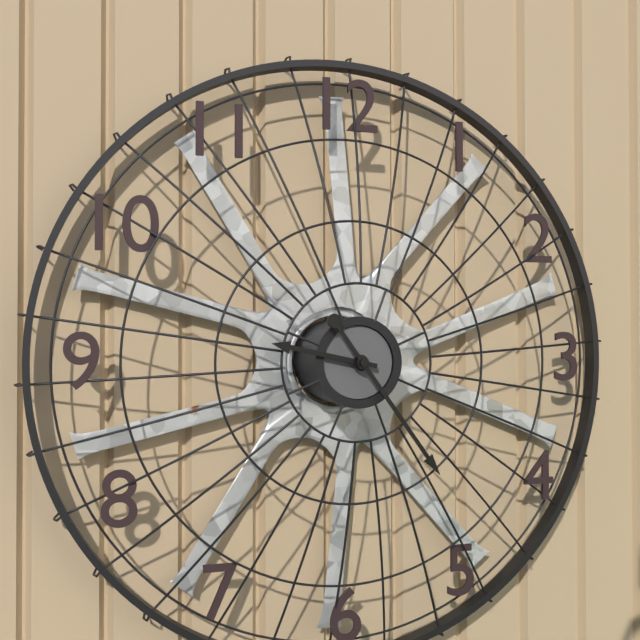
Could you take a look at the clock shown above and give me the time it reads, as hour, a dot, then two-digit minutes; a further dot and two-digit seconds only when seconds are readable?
9.24
